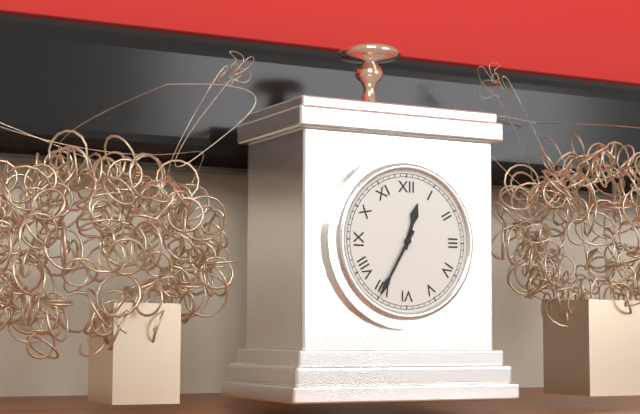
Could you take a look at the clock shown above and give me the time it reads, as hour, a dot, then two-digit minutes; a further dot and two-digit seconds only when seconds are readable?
12.35
